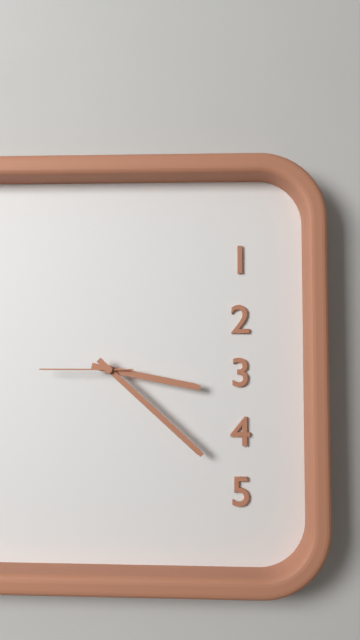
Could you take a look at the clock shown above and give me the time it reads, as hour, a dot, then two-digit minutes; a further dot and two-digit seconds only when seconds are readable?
3.22.45
